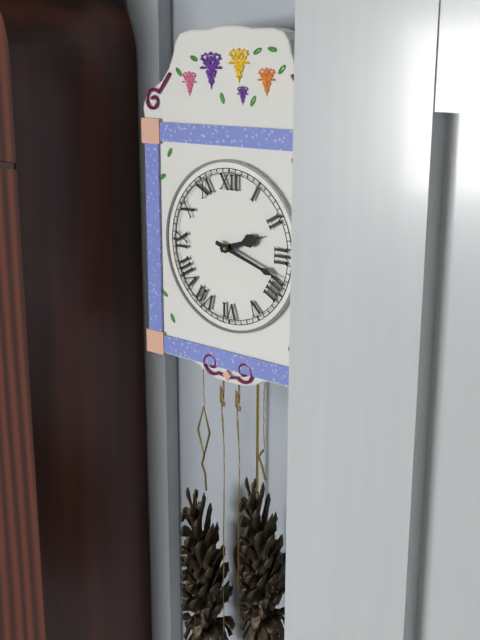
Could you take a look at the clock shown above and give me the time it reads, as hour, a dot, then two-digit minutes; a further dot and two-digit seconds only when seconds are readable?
2.18
